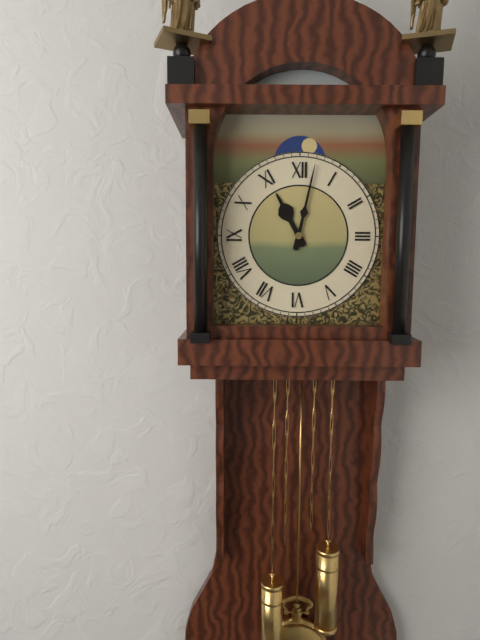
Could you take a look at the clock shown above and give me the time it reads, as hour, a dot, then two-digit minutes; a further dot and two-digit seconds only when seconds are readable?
11.02
